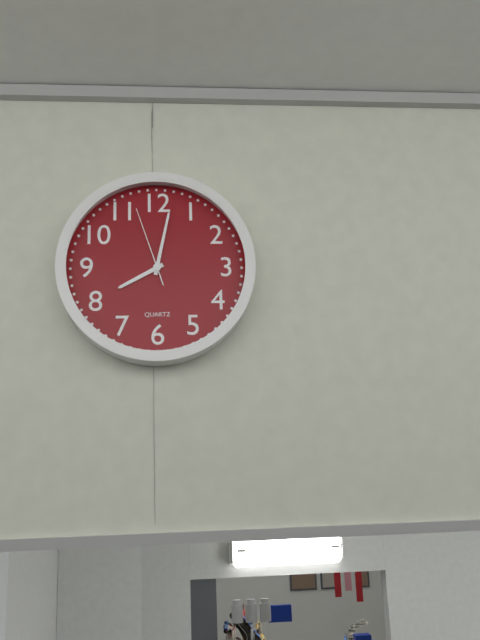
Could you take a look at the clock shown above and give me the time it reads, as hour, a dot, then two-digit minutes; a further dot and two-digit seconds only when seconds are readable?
8.02.57
